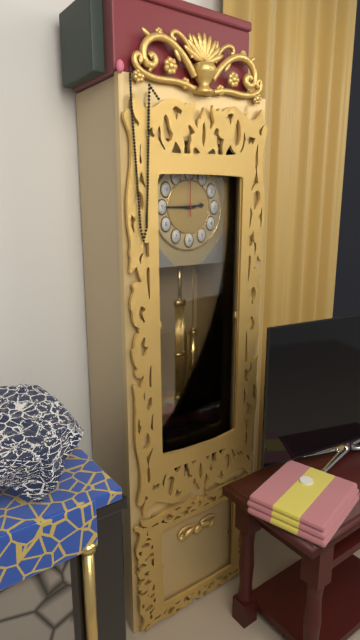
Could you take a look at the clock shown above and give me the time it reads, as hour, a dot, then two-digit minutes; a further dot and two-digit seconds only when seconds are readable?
2.45
